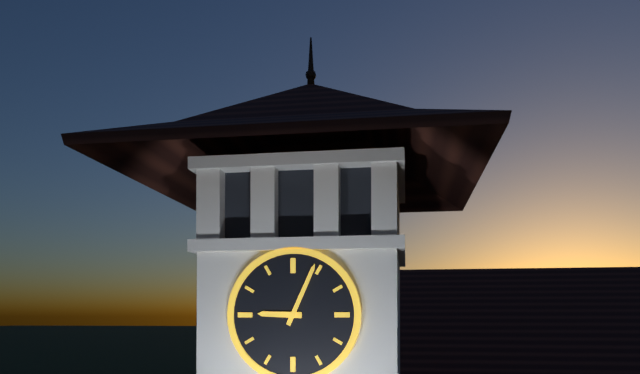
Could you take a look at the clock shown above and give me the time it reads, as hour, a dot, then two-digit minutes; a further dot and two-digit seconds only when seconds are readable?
9.04
